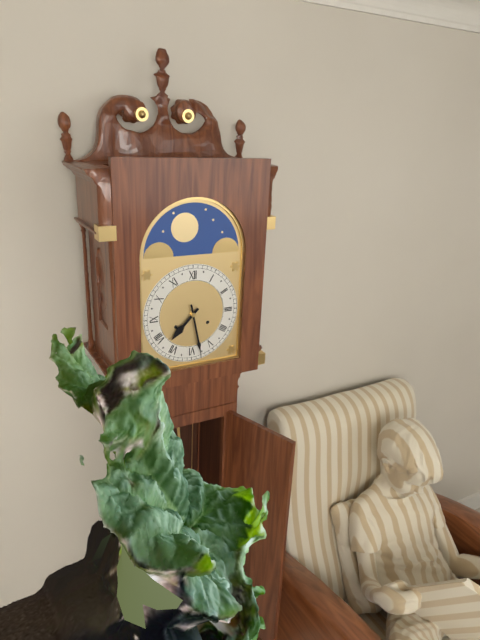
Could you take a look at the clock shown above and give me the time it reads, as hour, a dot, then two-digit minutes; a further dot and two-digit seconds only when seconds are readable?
7.28
